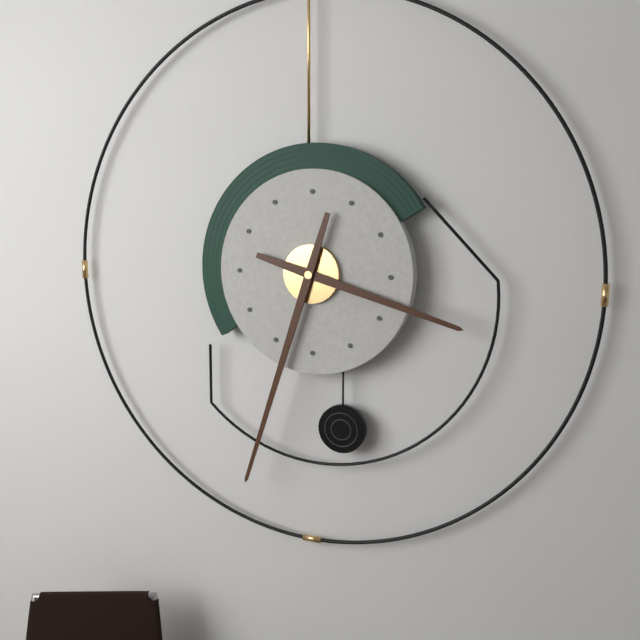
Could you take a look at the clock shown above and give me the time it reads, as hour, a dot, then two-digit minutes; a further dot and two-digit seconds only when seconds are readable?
3.33
